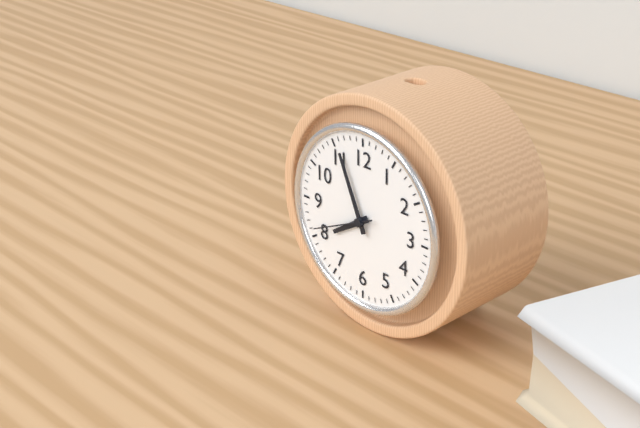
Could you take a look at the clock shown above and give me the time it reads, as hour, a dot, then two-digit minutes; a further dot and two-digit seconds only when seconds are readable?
7.56.41
